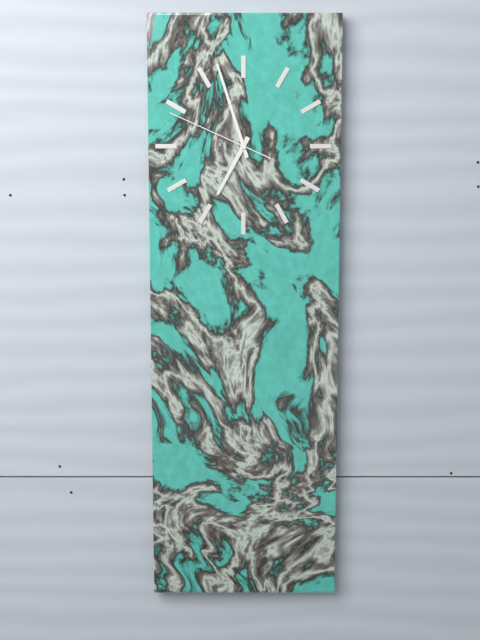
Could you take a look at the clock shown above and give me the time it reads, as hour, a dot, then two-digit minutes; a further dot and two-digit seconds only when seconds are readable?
6.57.49
